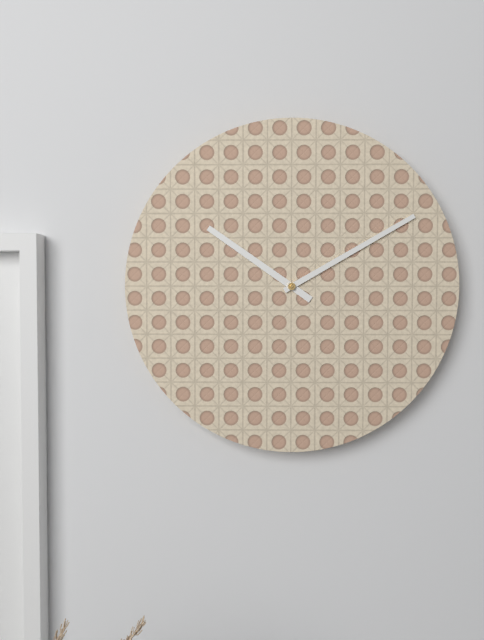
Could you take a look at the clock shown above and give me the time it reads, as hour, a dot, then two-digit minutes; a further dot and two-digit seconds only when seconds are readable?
10.10
